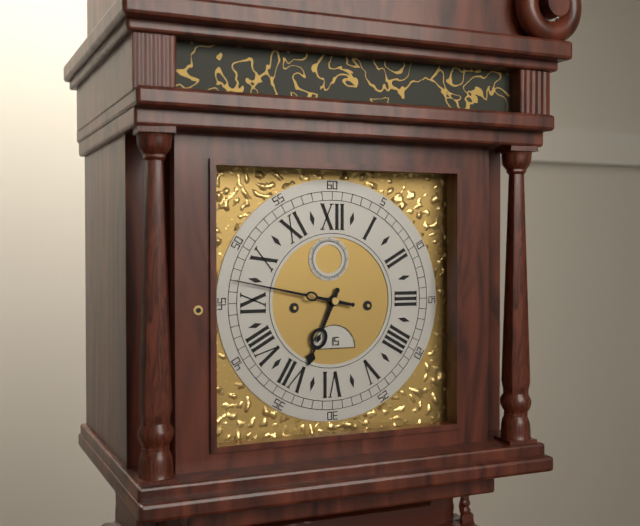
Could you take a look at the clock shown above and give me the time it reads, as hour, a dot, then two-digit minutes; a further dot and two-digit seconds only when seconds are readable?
6.47
